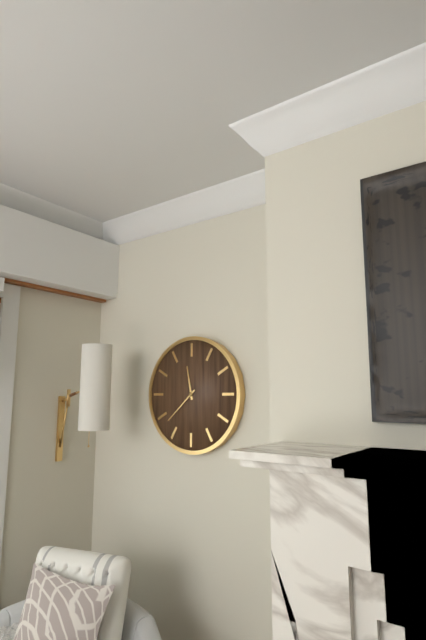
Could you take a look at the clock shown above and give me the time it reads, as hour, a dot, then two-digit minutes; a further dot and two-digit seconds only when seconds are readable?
11.38
